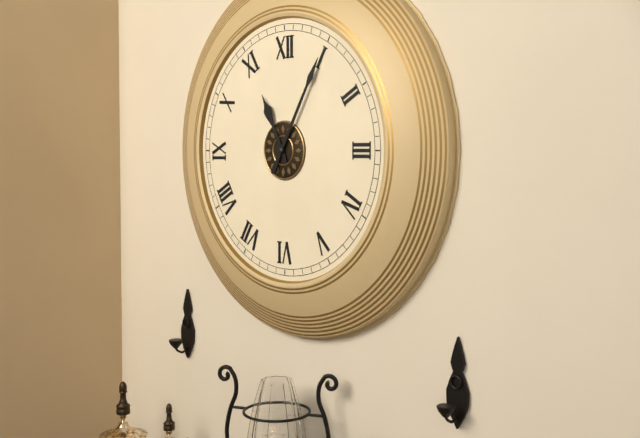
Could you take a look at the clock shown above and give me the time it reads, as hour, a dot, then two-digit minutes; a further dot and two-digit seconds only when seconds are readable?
11.05
